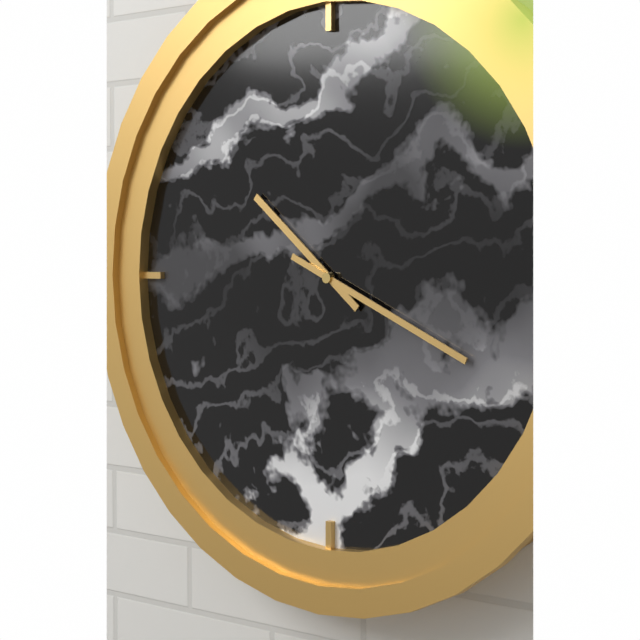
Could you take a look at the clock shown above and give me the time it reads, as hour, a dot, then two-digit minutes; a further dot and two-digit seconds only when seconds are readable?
10.19
